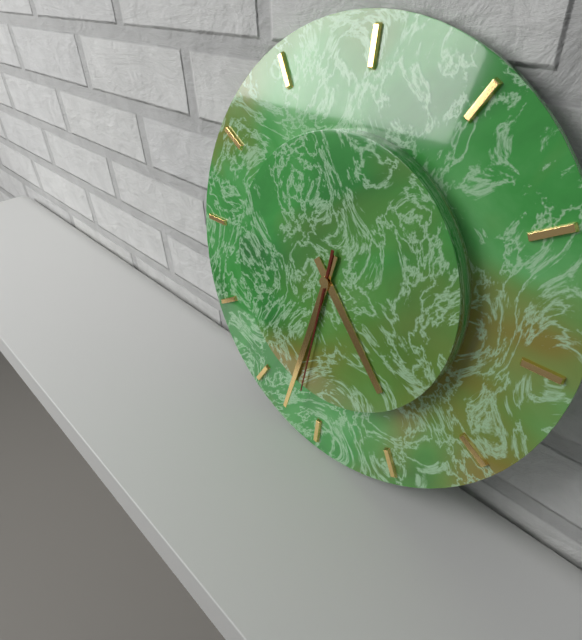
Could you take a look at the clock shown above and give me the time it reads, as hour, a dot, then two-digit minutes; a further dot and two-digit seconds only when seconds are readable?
4.32.31
